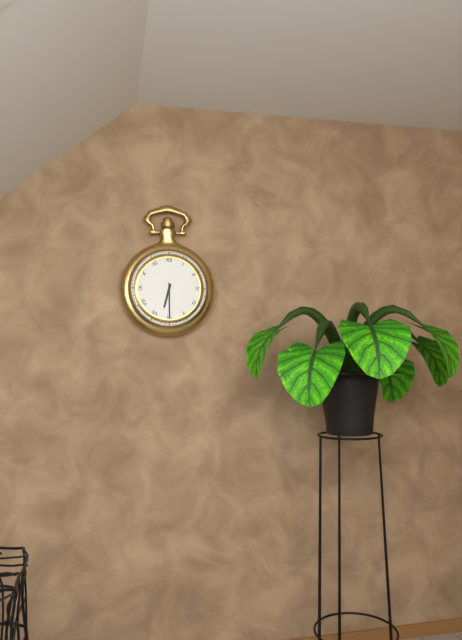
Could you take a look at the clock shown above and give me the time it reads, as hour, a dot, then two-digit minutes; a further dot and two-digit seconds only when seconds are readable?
6.30
